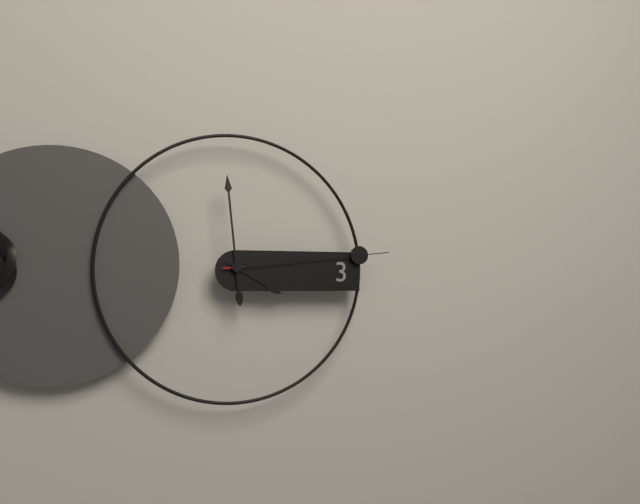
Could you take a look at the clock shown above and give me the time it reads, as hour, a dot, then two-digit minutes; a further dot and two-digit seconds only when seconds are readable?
3.59.14
